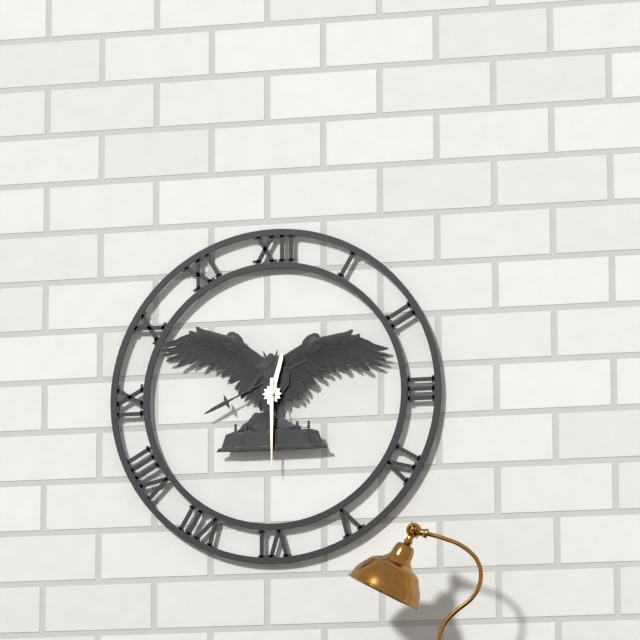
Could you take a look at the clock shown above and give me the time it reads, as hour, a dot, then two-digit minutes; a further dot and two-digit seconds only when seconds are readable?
12.30
